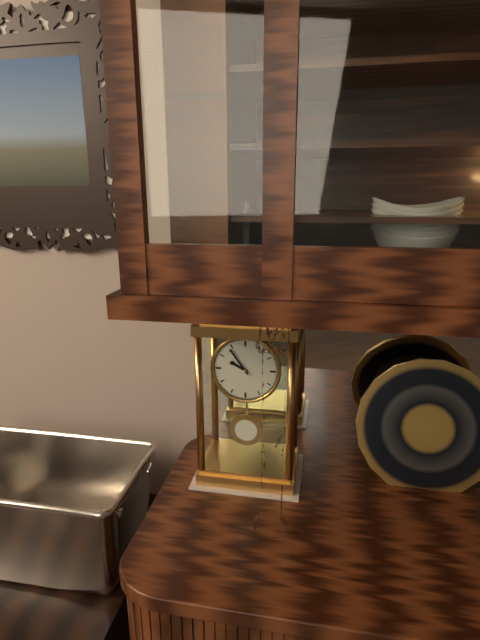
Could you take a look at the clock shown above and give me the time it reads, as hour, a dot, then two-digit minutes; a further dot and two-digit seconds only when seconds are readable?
9.54
